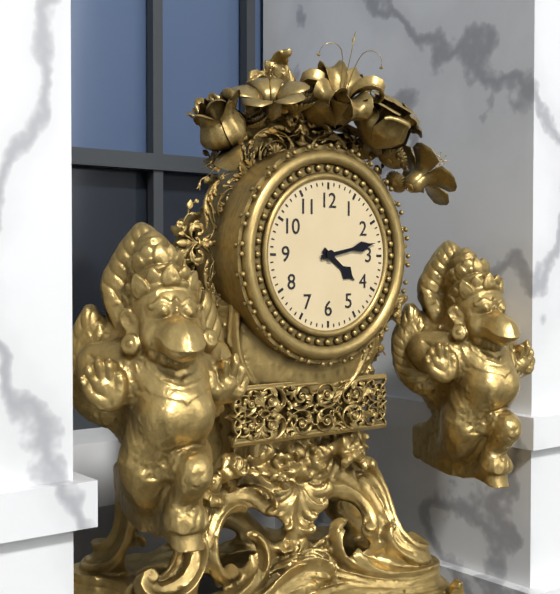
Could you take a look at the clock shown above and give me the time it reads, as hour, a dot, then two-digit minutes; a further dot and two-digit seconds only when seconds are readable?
4.13
